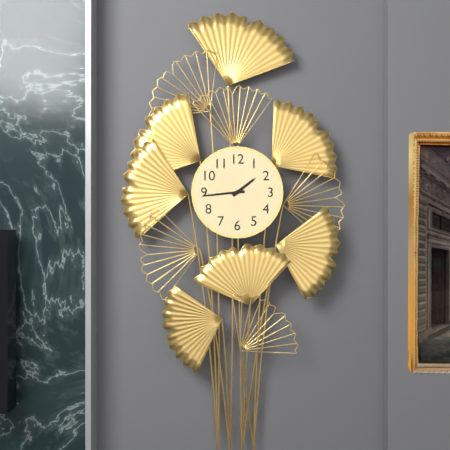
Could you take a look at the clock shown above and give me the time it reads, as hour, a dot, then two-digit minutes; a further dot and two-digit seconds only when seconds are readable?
1.44
